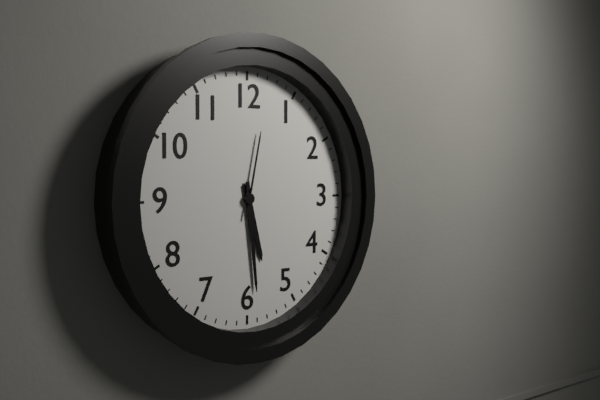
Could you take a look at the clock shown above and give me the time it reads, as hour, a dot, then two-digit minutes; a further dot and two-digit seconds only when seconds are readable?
5.29.02
